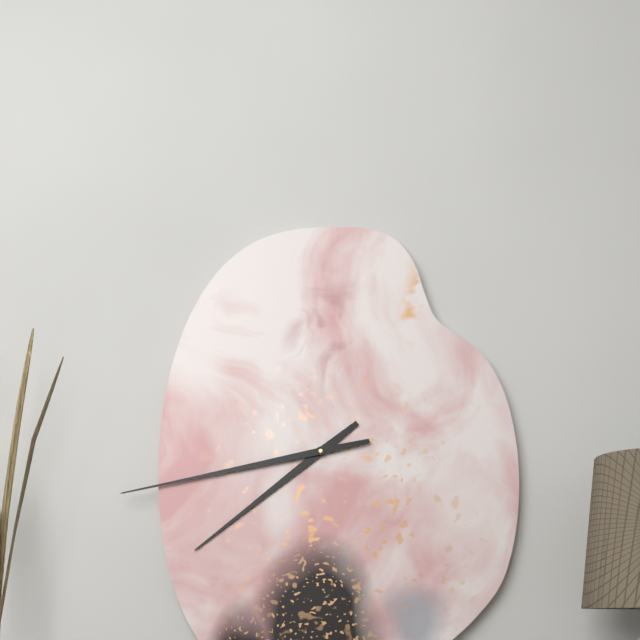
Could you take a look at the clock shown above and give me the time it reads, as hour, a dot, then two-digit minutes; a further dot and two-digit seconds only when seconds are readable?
7.43
